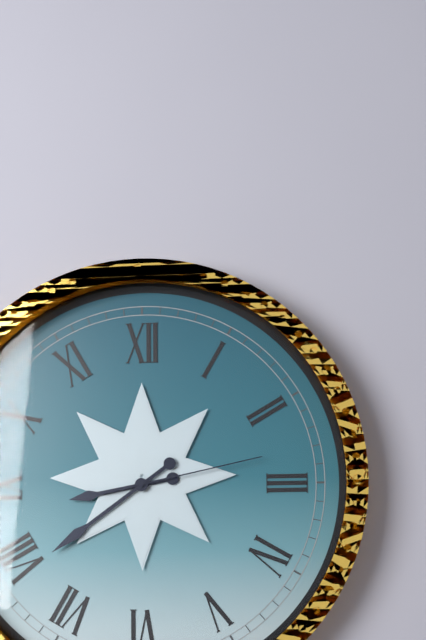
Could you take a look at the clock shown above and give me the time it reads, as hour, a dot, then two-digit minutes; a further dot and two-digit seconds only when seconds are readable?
8.39.13
